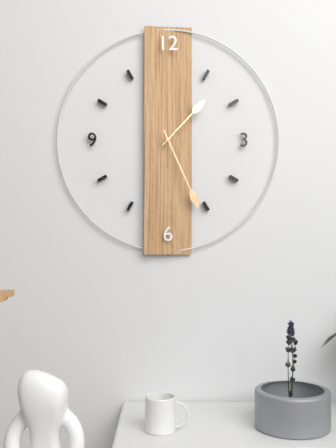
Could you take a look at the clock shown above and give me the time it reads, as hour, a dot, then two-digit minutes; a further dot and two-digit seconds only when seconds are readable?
1.26
